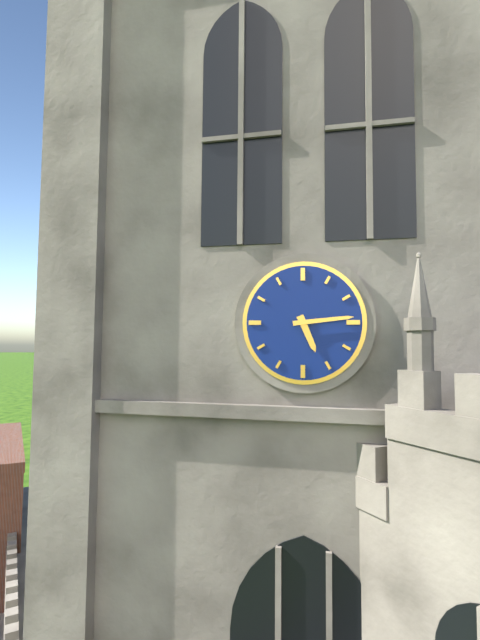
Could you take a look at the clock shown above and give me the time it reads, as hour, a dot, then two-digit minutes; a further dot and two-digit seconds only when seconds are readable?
5.14
